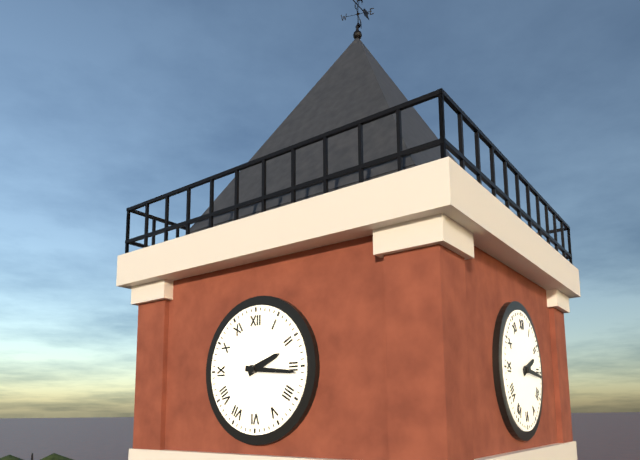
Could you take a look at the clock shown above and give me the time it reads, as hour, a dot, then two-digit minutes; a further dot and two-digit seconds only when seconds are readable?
2.16
